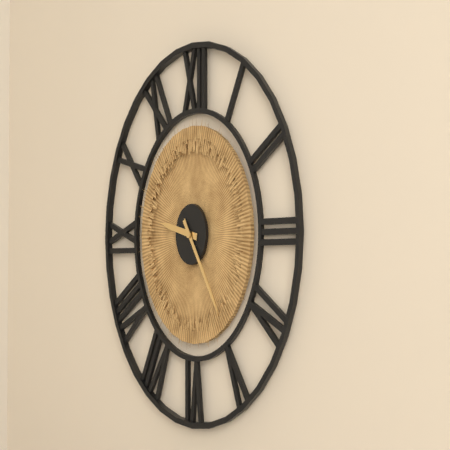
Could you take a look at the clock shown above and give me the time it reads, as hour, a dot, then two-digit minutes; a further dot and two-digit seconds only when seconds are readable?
9.24
